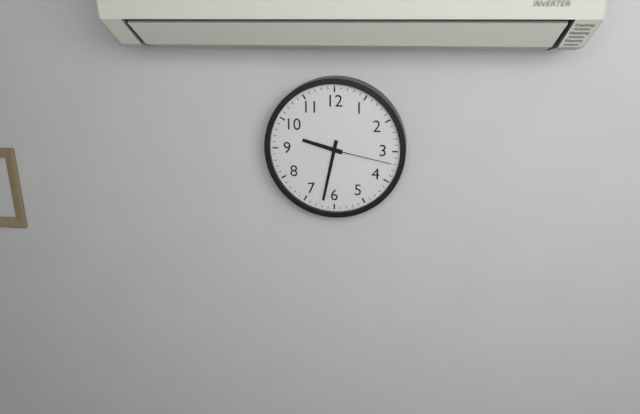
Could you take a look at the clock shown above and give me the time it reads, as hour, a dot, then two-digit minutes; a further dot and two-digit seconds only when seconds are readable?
9.32.17
